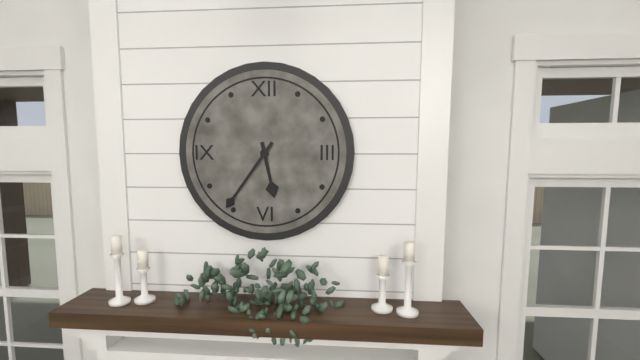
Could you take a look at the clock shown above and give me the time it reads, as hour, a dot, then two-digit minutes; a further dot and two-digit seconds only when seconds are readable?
5.36
